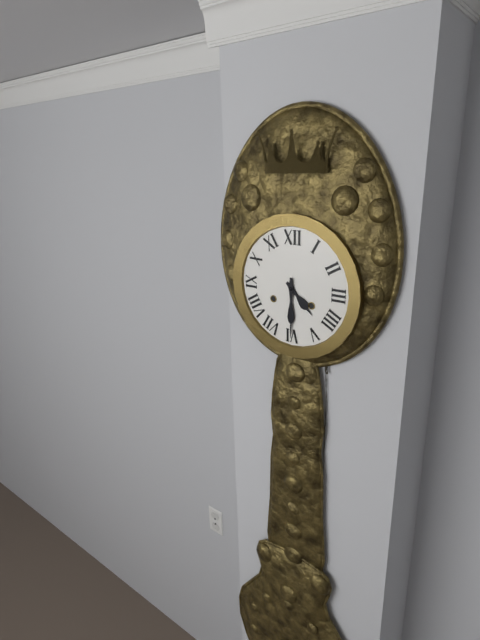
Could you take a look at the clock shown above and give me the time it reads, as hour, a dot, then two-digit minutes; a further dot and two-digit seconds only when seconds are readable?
4.30
